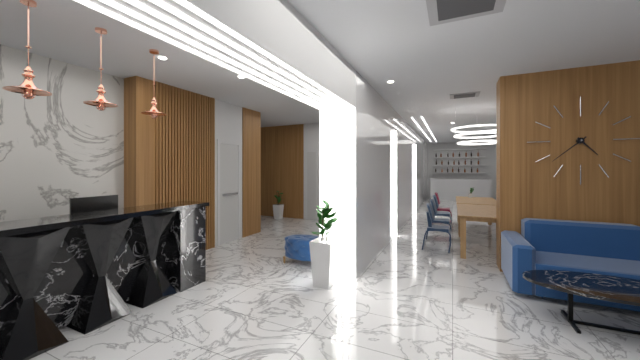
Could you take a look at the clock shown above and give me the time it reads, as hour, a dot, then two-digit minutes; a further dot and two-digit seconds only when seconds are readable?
4.38
